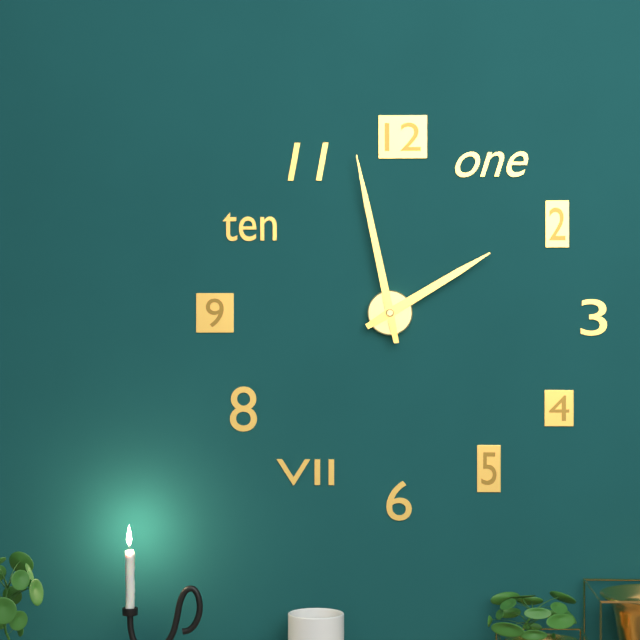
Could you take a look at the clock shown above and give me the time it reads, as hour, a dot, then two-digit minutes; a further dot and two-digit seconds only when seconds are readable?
1.58
